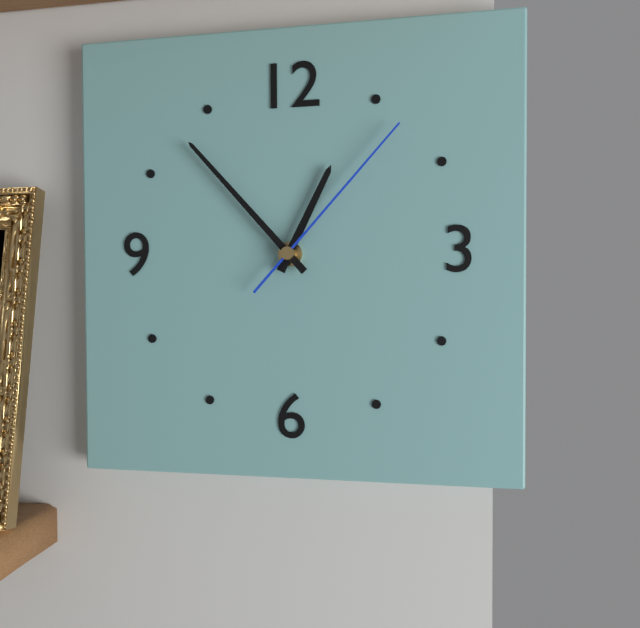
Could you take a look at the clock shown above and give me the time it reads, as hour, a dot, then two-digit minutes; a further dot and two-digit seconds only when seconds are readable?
12.53.07
